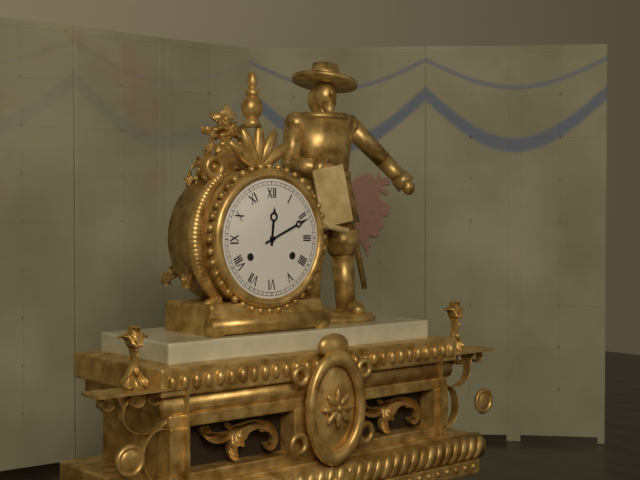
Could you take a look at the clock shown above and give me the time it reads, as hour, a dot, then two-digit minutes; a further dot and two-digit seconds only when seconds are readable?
12.11
